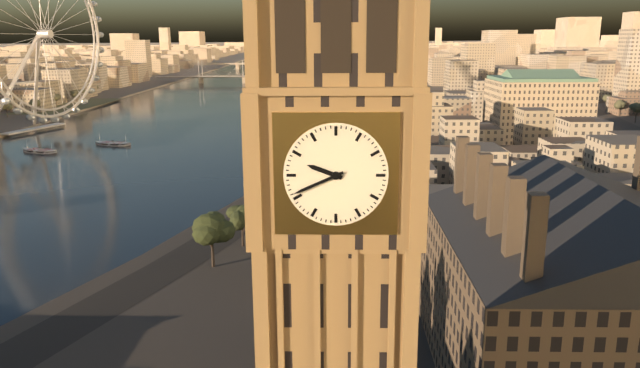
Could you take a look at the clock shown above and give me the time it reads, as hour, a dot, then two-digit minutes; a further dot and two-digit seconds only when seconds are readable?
9.41
